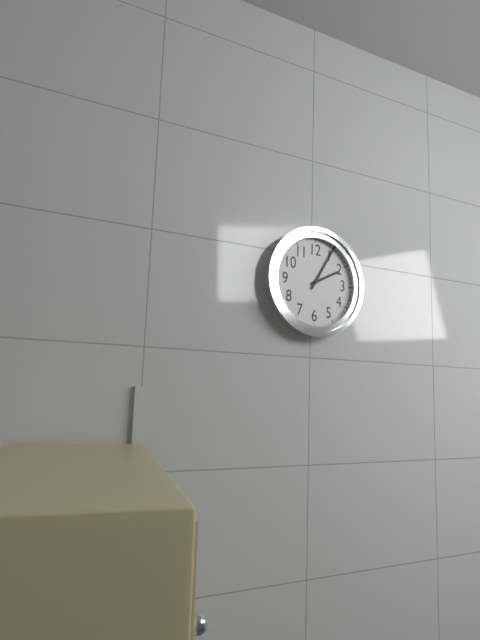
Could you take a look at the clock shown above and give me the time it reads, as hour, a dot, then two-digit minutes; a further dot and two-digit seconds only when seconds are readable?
2.05
